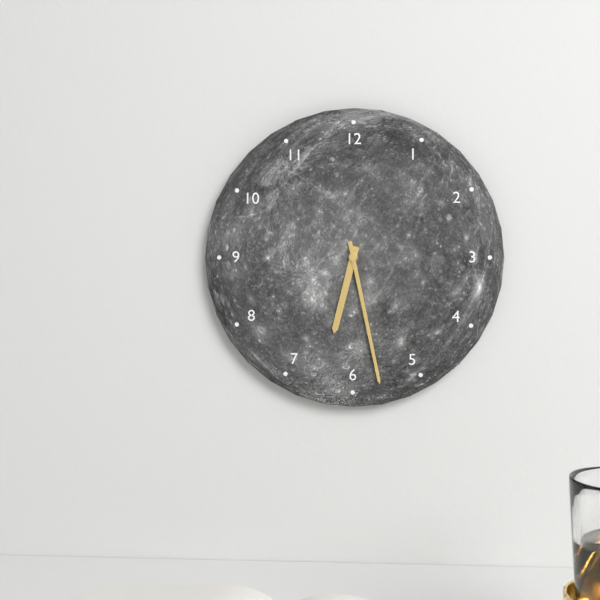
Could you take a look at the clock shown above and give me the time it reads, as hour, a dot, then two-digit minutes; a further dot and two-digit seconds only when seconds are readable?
6.28
